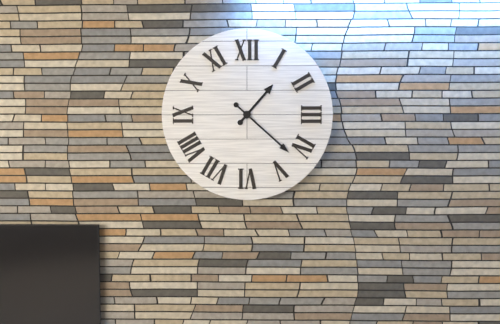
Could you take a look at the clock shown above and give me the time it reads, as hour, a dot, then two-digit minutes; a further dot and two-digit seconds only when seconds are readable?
1.22
